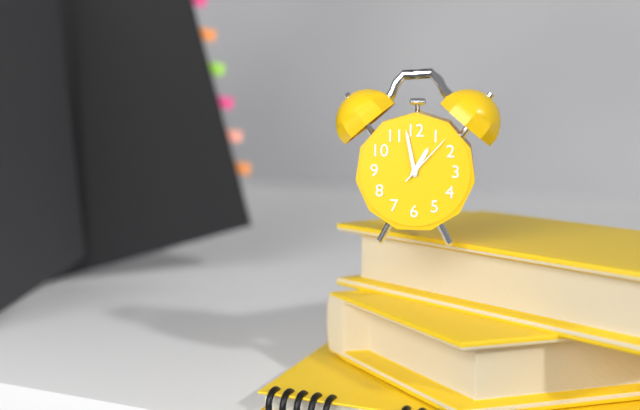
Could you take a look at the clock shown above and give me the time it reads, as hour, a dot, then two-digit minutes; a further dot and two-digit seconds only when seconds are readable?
12.58.07
